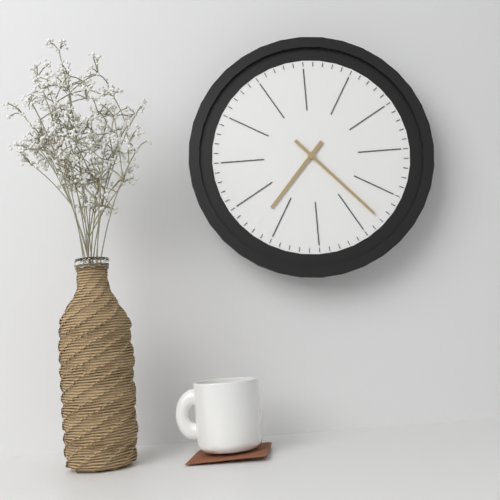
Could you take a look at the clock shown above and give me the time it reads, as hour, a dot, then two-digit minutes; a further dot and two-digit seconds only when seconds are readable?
7.23
